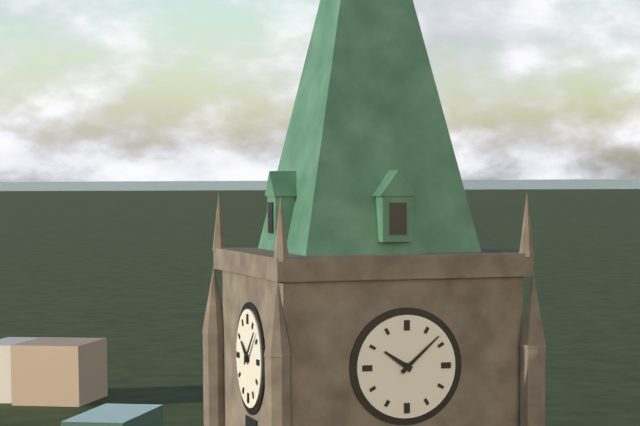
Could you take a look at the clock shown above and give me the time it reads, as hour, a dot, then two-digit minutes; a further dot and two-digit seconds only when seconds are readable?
10.08
